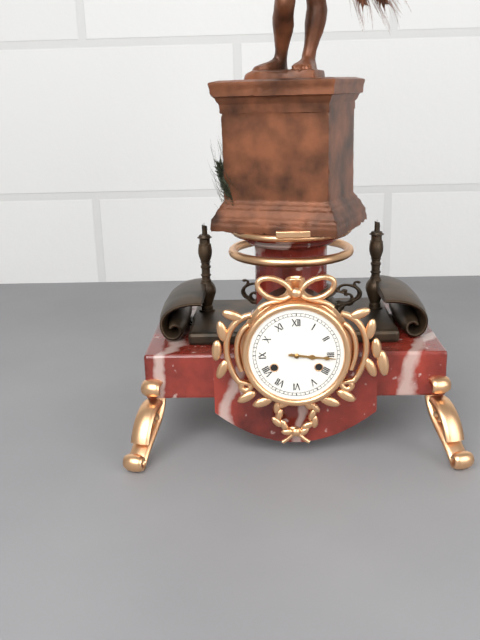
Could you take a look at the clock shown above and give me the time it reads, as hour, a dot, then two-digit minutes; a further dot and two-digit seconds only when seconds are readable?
3.16
